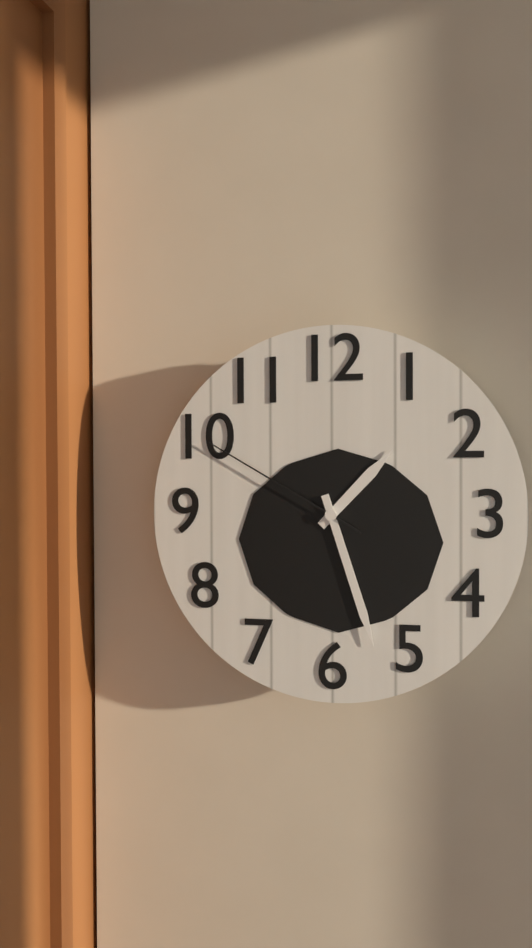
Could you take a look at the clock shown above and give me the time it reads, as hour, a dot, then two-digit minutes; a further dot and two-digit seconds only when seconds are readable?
1.27.50
